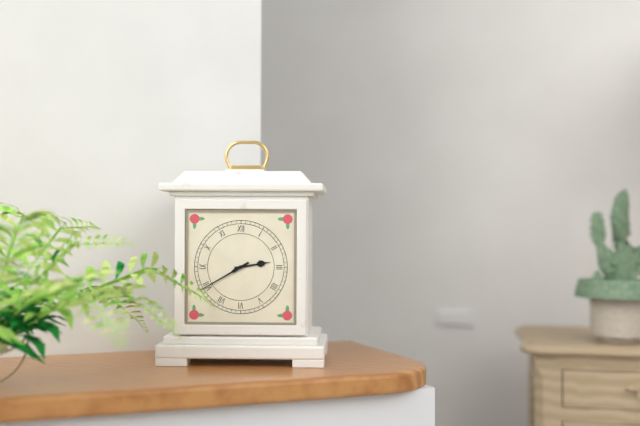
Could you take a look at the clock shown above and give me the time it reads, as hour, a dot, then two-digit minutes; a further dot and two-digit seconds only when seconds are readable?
2.40
